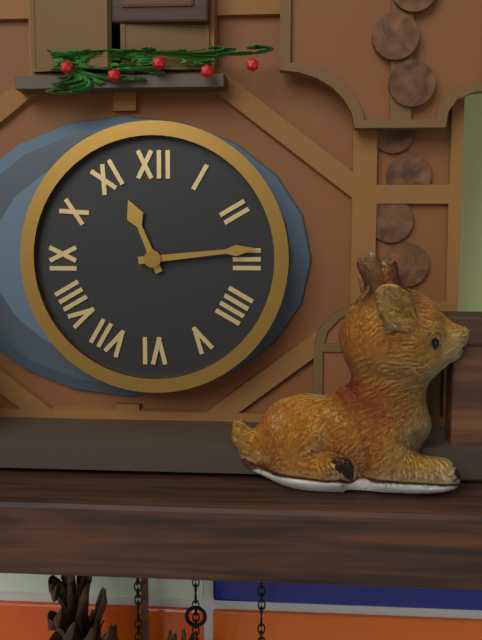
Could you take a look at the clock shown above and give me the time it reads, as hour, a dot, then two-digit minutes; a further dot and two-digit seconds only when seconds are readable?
11.14
